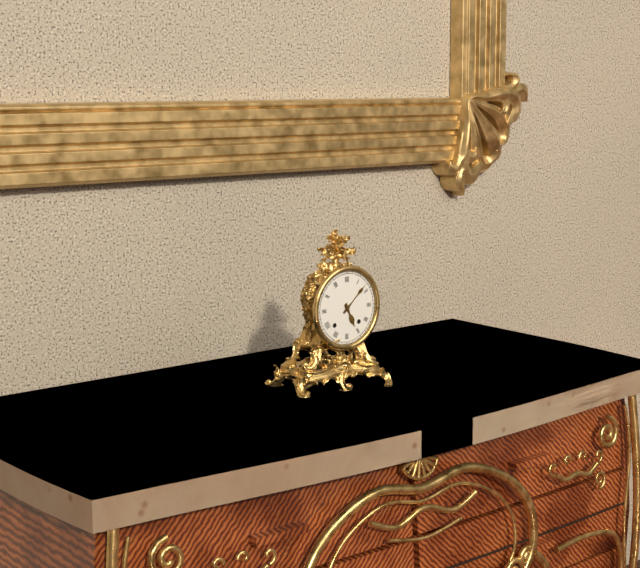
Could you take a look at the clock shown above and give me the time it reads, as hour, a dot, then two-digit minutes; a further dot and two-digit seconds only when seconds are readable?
5.08
